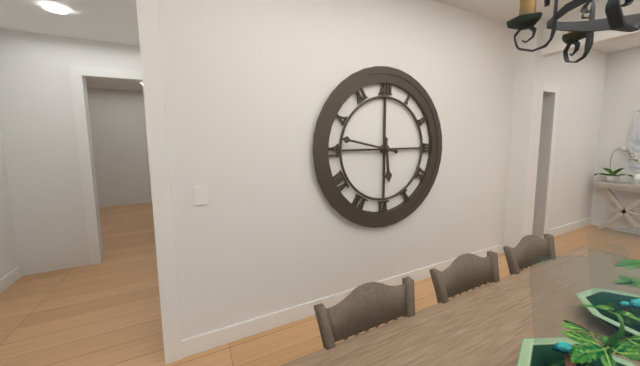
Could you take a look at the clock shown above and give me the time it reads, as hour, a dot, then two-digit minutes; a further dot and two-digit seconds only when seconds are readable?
5.47
